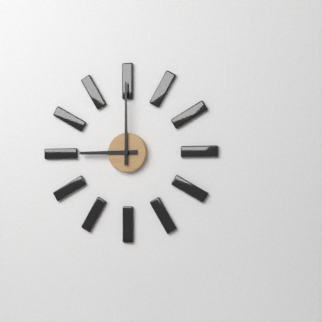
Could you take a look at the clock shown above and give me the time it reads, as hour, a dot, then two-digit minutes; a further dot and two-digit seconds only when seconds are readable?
9.00
